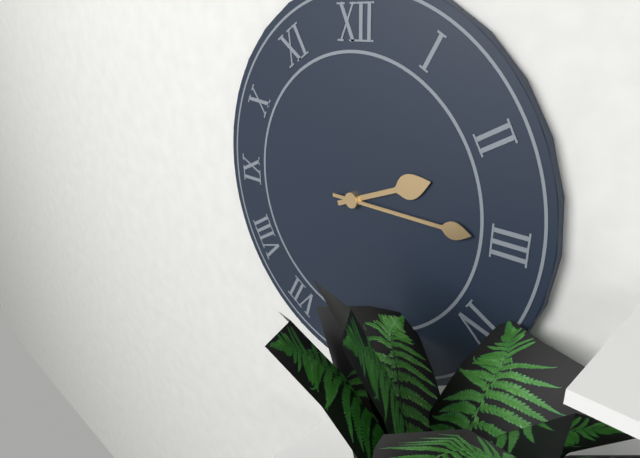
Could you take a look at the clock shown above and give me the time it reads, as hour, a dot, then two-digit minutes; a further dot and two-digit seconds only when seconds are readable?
2.15
